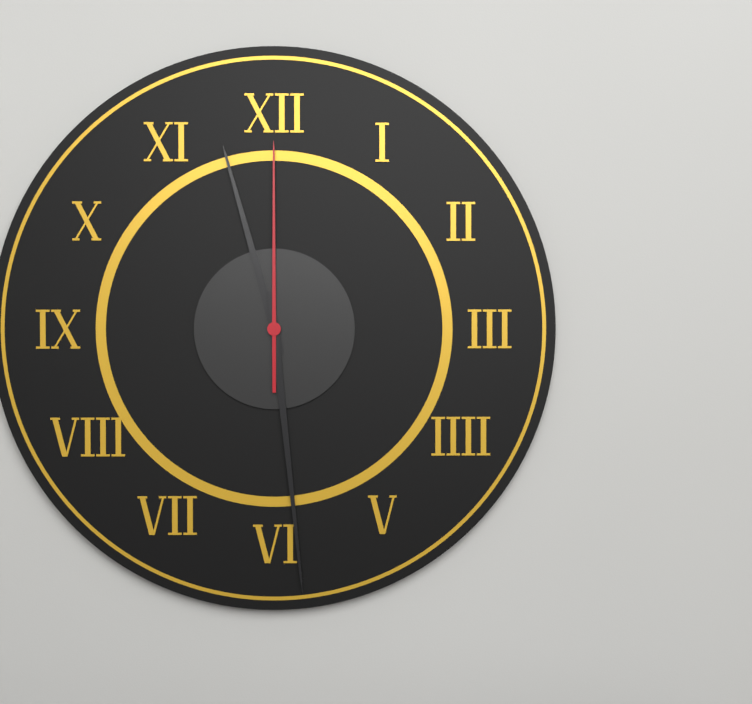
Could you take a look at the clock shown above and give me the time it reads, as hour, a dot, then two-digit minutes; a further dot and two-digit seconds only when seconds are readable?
11.29.00
